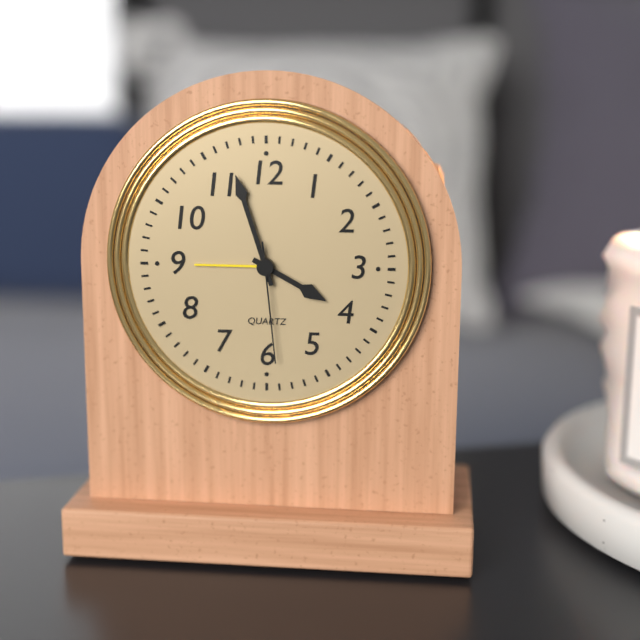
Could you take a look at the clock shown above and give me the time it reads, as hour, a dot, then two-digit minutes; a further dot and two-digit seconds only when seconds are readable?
3.57.29
